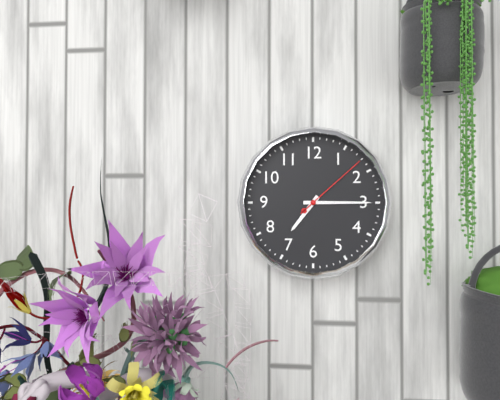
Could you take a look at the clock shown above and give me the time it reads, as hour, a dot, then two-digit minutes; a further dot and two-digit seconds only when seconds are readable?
7.15.08
